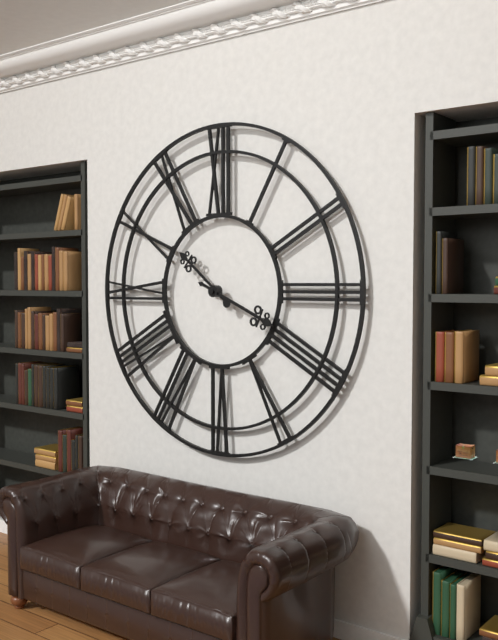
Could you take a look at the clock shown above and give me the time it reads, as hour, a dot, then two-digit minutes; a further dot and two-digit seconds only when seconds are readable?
10.19
